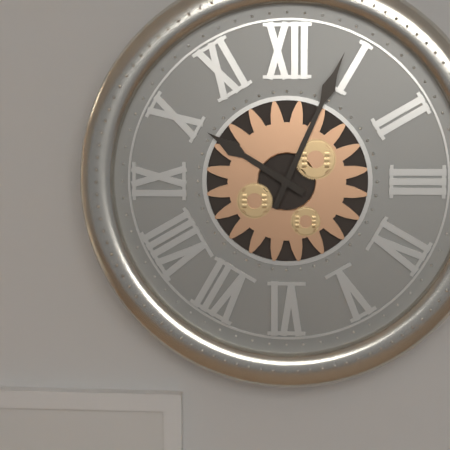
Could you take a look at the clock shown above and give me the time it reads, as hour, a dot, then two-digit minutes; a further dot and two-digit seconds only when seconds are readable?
10.04
